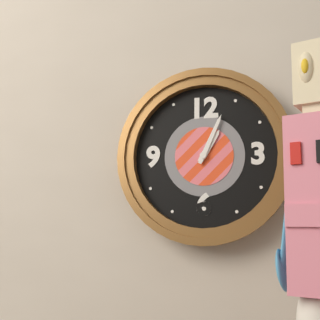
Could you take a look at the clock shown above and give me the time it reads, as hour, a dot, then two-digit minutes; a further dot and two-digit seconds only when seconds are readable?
1.04
